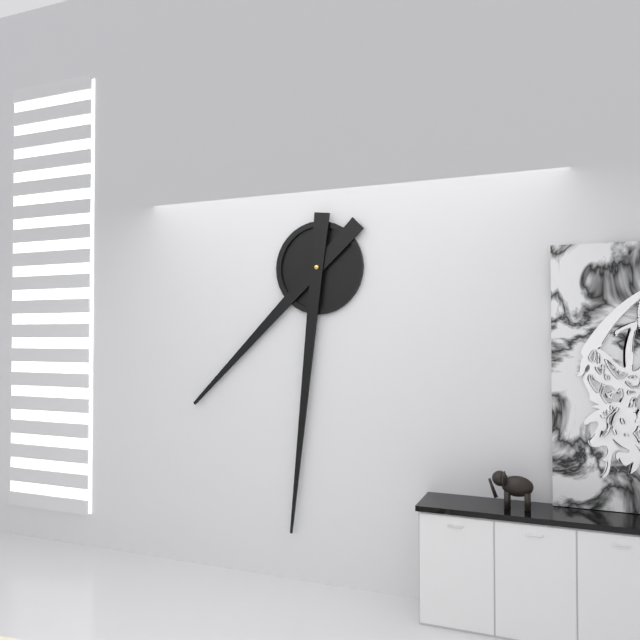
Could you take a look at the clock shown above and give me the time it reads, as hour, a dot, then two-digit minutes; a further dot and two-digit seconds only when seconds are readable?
7.31
